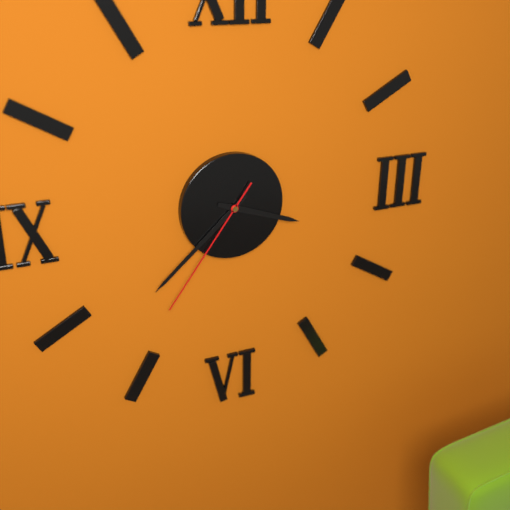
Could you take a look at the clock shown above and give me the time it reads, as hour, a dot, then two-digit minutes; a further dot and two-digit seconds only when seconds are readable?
3.38.36
